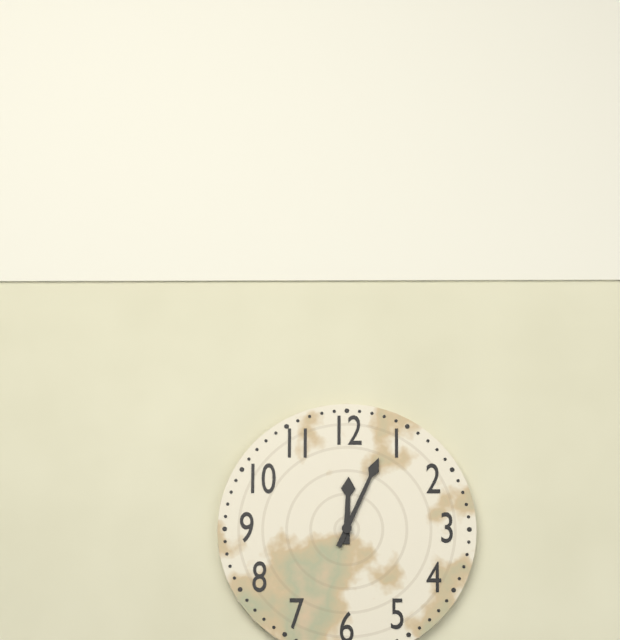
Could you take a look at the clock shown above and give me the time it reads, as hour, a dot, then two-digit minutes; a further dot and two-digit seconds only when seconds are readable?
12.04
